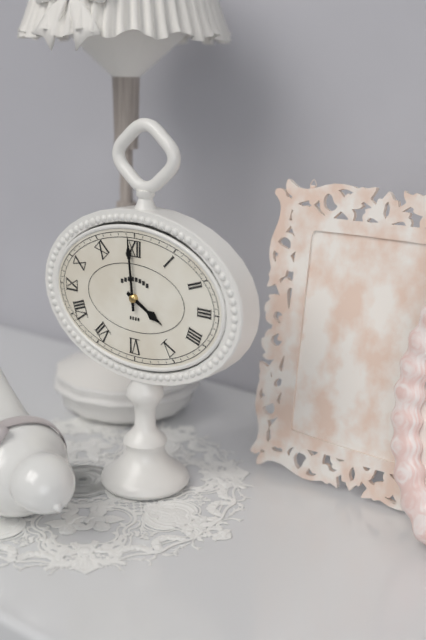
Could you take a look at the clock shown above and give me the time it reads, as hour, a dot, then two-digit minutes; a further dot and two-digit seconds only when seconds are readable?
3.59
